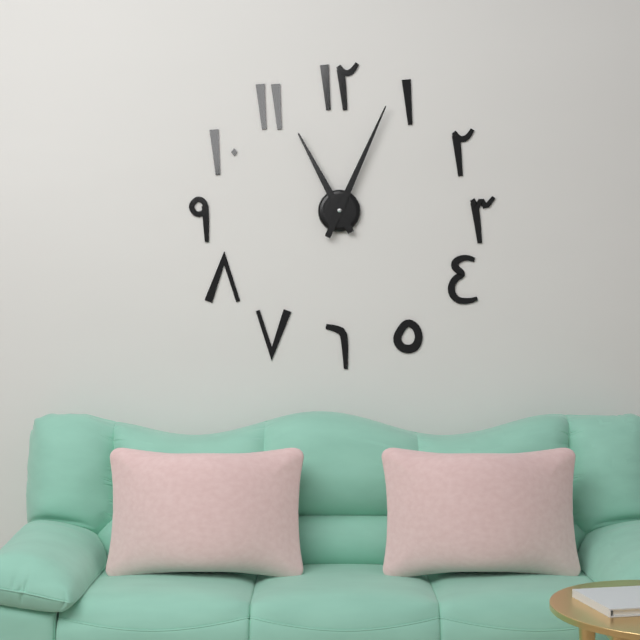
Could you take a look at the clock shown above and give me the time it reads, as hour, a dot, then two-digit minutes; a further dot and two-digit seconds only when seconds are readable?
11.04
